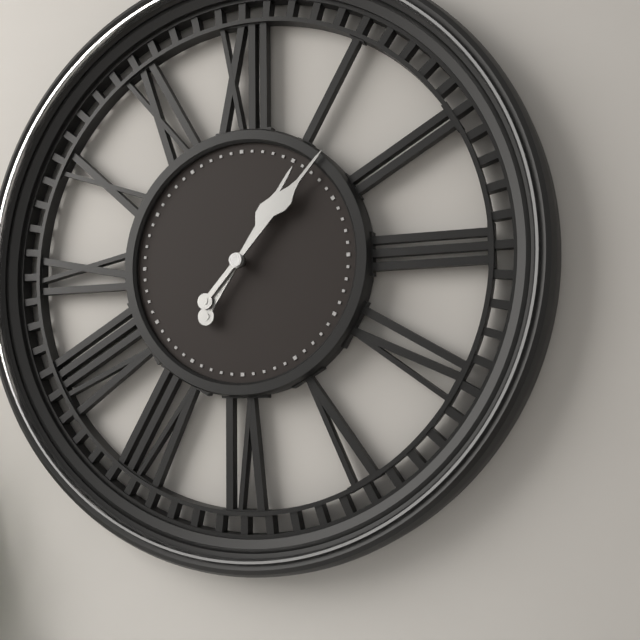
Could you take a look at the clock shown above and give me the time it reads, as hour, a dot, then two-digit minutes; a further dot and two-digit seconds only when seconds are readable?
1.07
